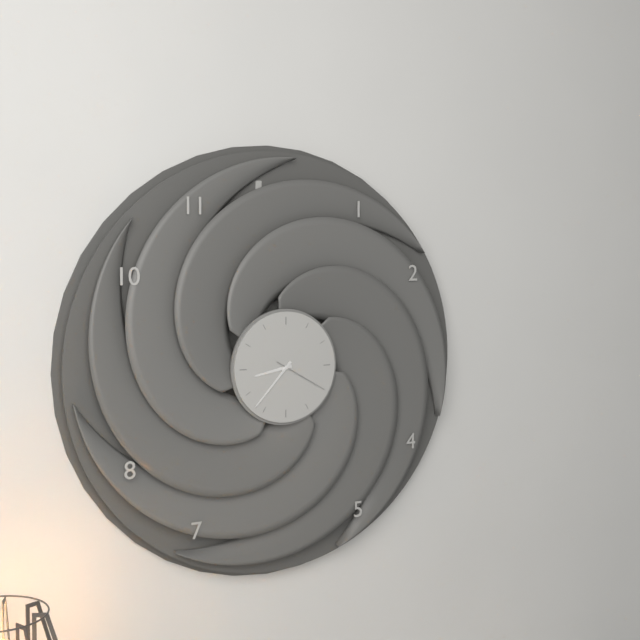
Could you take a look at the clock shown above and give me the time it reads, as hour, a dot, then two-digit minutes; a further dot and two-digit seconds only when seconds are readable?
8.37
